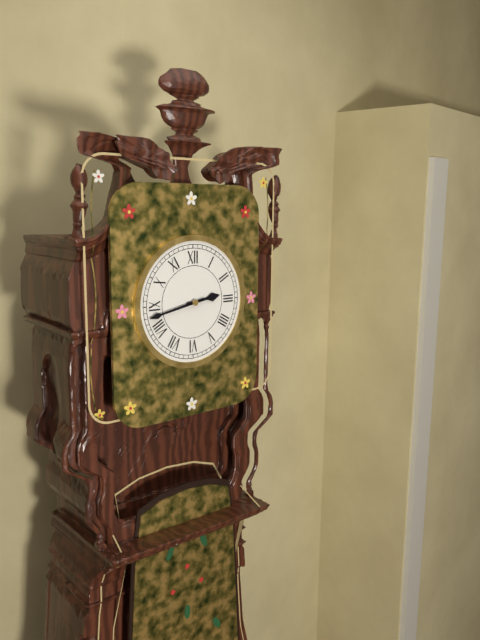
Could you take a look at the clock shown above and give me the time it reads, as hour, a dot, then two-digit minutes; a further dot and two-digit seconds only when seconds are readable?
2.43
